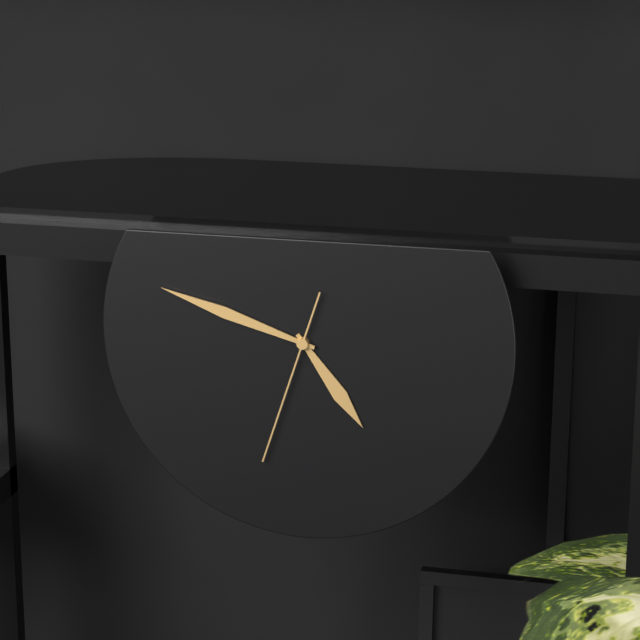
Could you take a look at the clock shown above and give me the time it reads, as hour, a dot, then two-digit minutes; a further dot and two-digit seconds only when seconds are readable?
4.48.33
